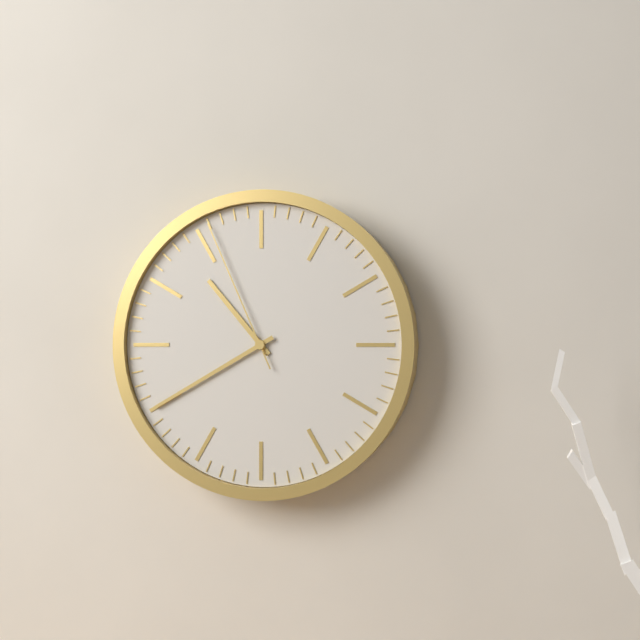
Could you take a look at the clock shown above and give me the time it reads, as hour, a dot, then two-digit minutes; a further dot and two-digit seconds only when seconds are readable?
10.40.56
